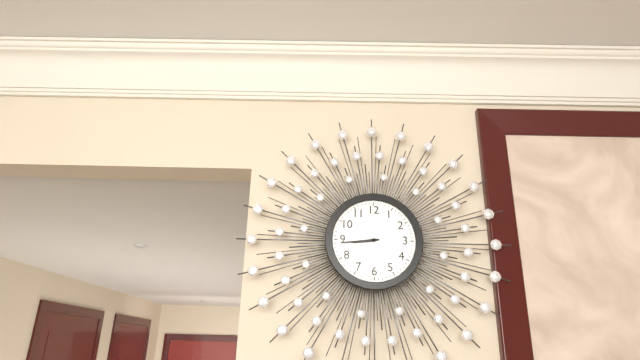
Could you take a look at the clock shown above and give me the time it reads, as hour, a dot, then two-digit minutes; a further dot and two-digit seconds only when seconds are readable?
8.44
